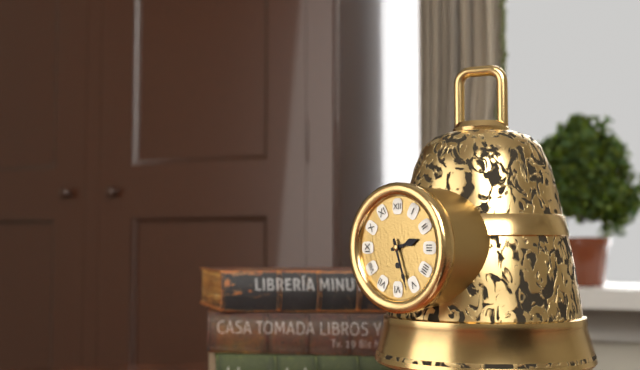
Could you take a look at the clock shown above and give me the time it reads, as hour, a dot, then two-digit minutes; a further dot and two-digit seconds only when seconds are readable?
2.27
